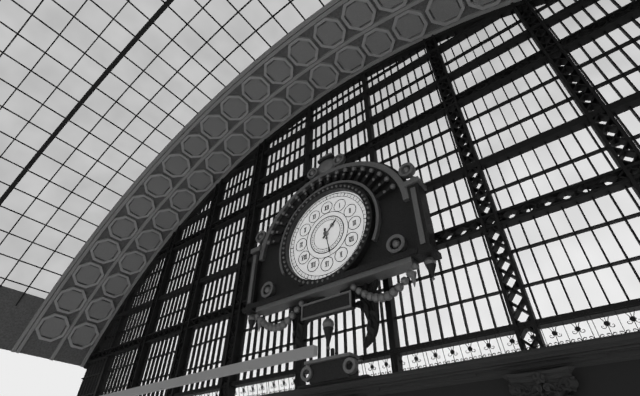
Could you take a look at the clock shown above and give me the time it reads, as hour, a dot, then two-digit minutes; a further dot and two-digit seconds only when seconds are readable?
1.28
